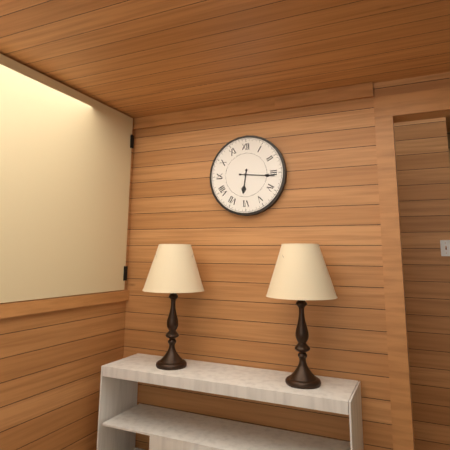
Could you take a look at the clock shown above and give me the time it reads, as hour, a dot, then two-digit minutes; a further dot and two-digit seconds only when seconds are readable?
6.16
